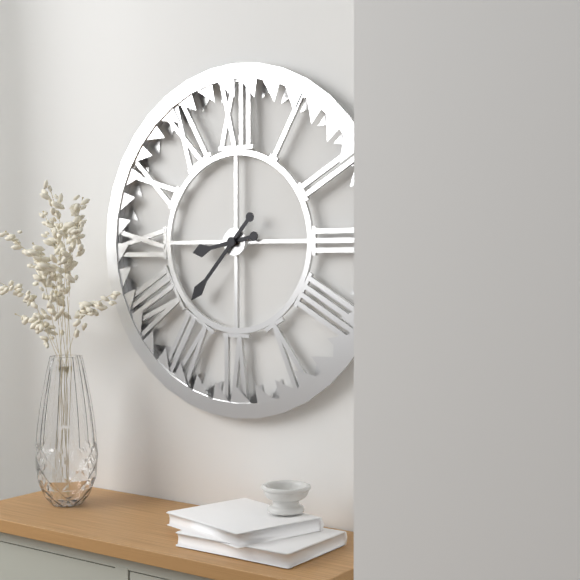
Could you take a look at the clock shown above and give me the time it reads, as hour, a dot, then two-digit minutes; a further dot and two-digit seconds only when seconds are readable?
8.37
